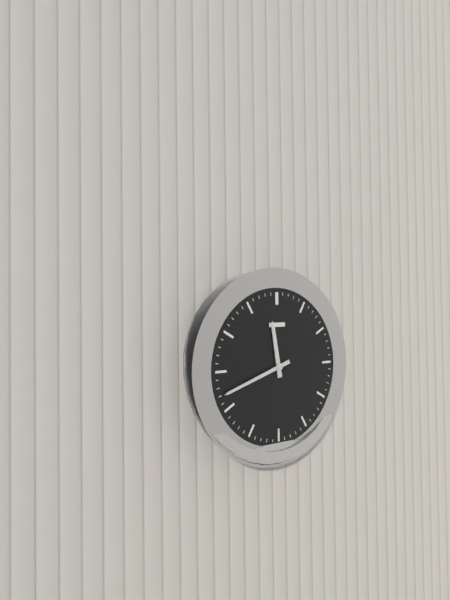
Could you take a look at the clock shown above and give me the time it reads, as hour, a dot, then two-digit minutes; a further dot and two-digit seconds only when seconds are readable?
11.42
